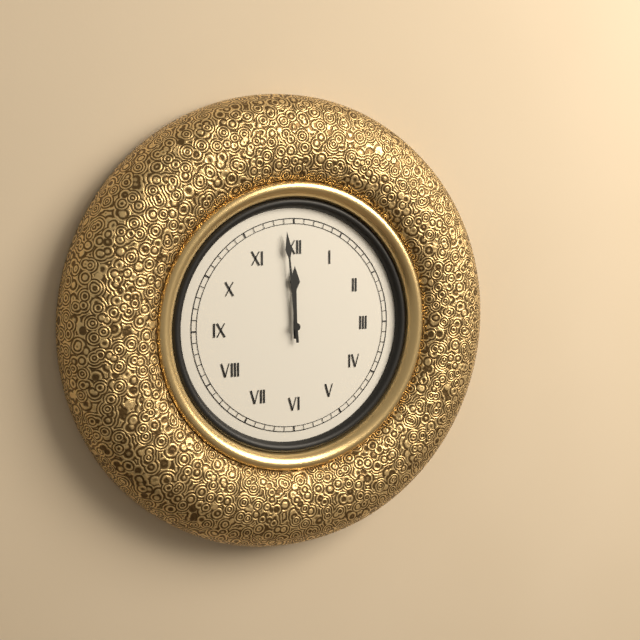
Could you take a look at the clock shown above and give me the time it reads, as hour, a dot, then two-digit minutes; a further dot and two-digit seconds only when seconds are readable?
11.59
